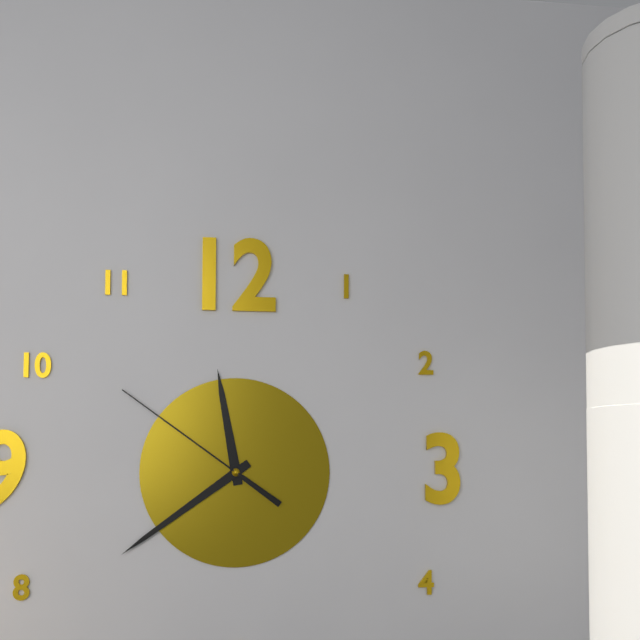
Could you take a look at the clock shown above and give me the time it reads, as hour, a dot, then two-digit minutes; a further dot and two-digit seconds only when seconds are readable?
11.39.51
